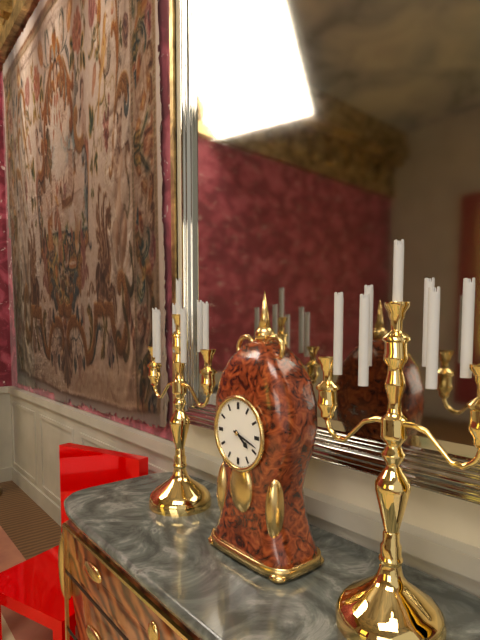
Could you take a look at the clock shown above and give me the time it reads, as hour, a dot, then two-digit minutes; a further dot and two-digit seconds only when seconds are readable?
4.18
